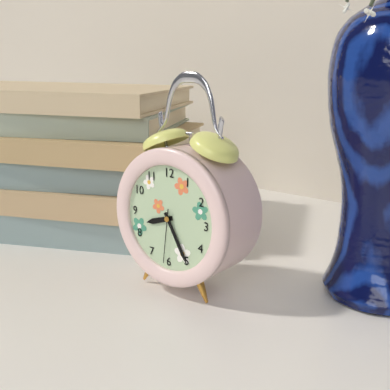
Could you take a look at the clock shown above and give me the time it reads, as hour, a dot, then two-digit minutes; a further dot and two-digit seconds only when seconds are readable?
8.25.31
